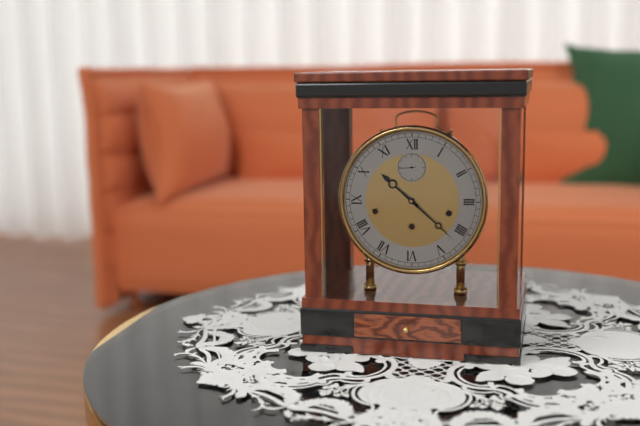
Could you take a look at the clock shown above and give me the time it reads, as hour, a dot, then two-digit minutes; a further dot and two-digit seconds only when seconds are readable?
10.22
